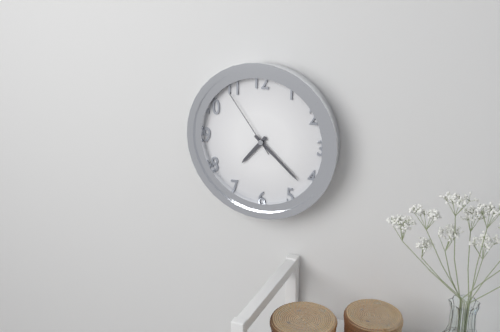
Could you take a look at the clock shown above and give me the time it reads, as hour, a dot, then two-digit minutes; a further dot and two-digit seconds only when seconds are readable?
7.22.54
